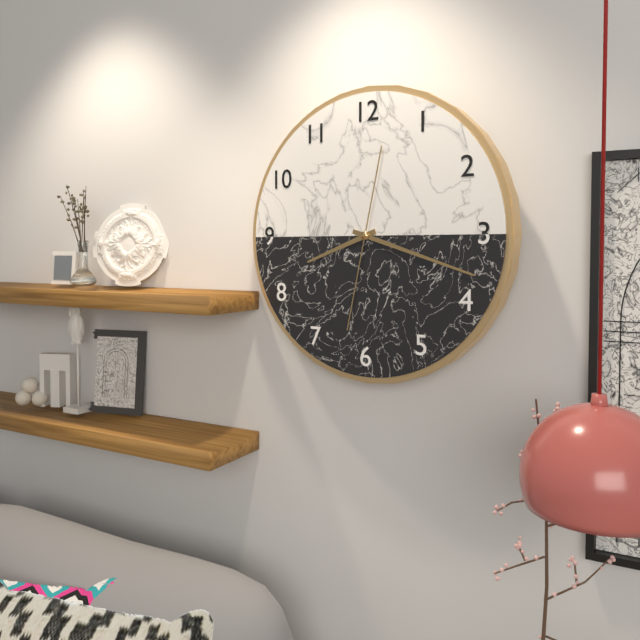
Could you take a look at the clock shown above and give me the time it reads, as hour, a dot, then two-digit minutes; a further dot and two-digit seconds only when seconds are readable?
8.18.32
